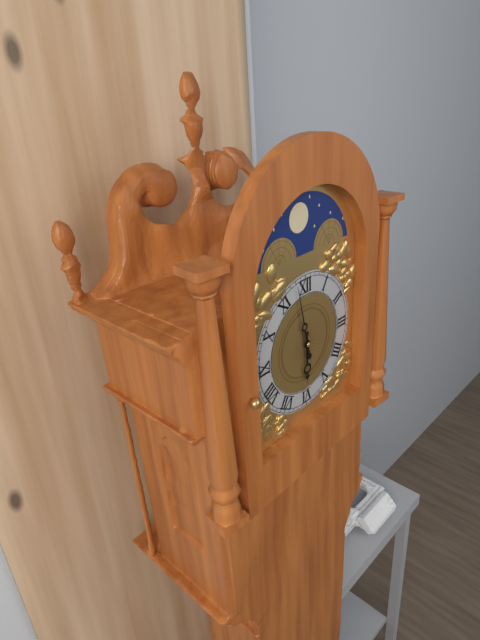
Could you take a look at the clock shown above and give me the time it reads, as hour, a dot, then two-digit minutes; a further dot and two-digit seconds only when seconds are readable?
5.58
